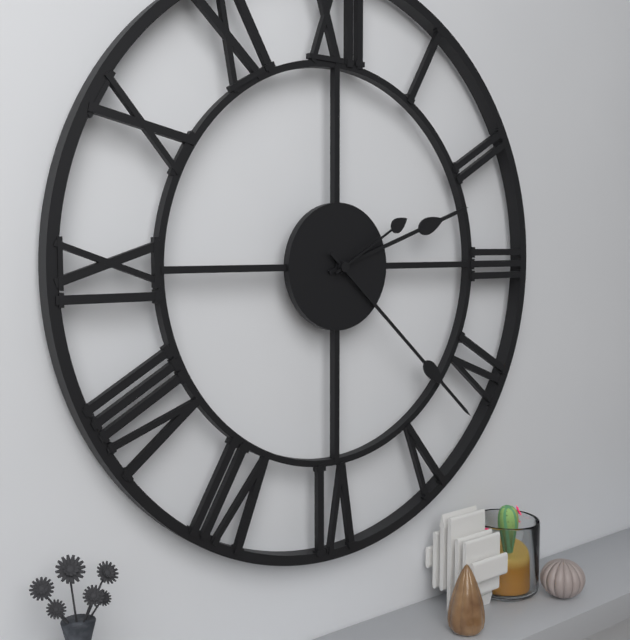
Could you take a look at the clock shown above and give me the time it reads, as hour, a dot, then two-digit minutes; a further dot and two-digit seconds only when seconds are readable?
2.22.10
